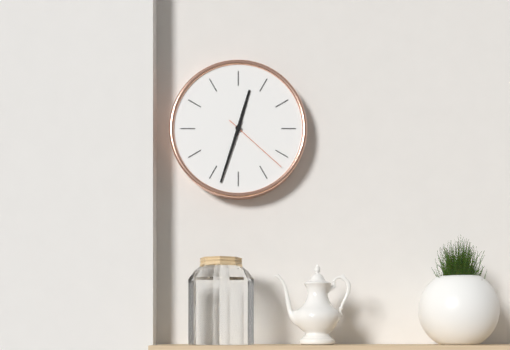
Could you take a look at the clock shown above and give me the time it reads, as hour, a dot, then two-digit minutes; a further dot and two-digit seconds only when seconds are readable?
12.33.22
